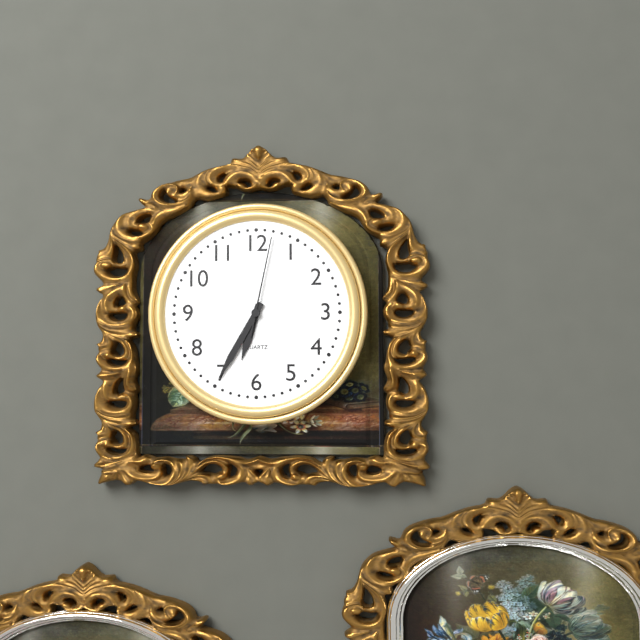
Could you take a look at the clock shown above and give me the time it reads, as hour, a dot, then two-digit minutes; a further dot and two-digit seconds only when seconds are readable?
6.35.02
